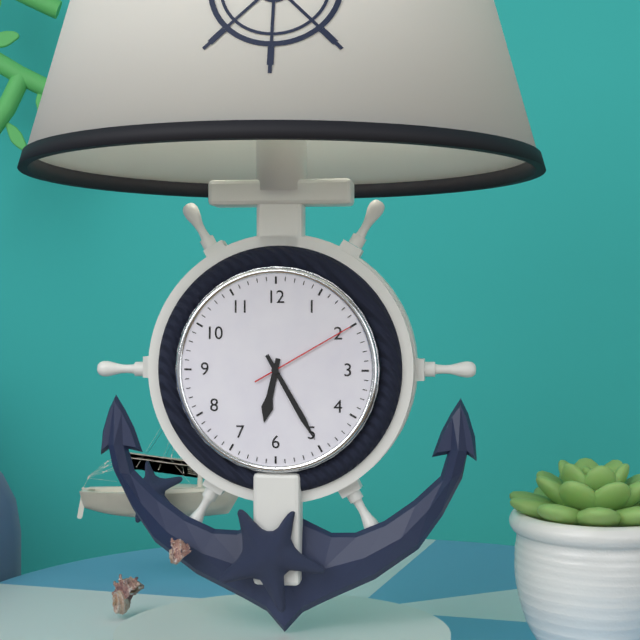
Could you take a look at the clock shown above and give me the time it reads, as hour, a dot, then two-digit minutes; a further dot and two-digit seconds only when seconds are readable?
6.25.10
